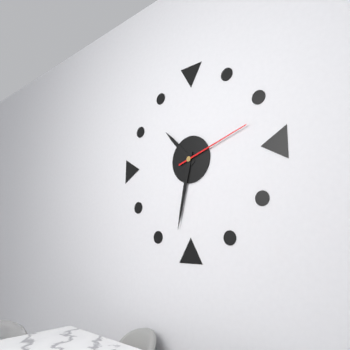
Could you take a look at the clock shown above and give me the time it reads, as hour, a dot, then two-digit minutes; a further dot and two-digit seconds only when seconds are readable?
10.32.12
